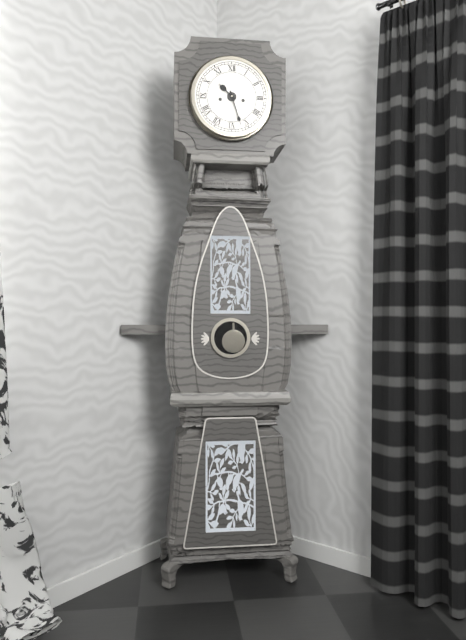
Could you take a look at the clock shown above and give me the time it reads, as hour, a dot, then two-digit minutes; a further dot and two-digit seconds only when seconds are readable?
10.27
